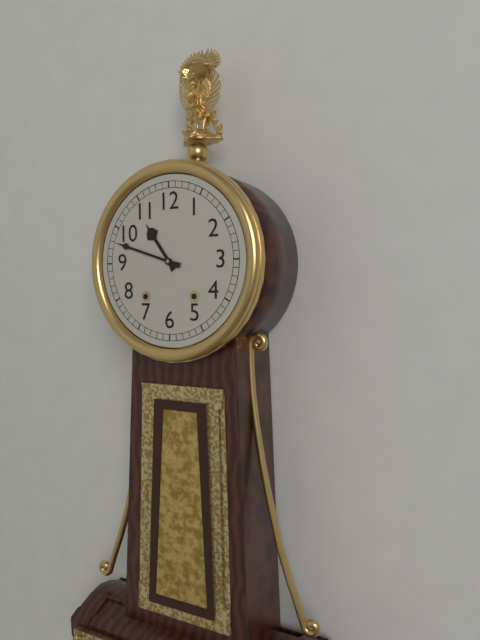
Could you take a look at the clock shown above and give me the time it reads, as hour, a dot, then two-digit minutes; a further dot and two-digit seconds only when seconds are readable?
10.48
